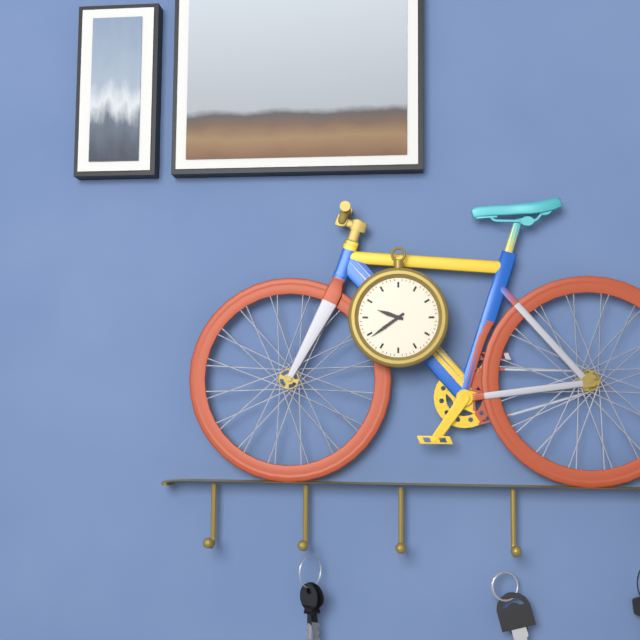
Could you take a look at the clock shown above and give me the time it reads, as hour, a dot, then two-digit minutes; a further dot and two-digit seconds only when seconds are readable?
9.39
